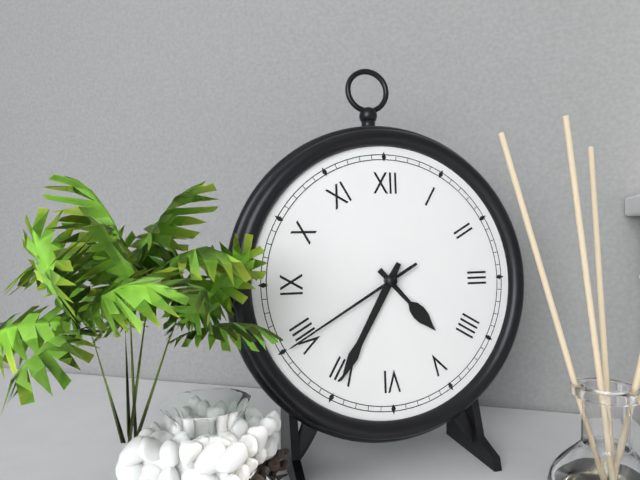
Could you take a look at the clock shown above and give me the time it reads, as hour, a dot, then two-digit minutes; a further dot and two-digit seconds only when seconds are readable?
4.35.40
